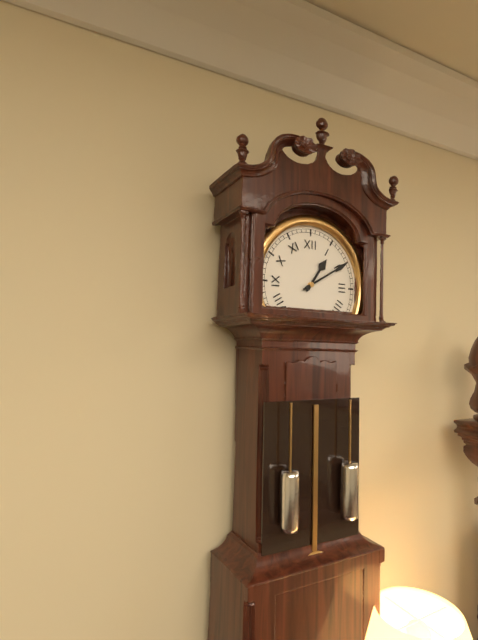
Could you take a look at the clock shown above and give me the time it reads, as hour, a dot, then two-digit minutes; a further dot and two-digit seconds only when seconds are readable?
1.10
